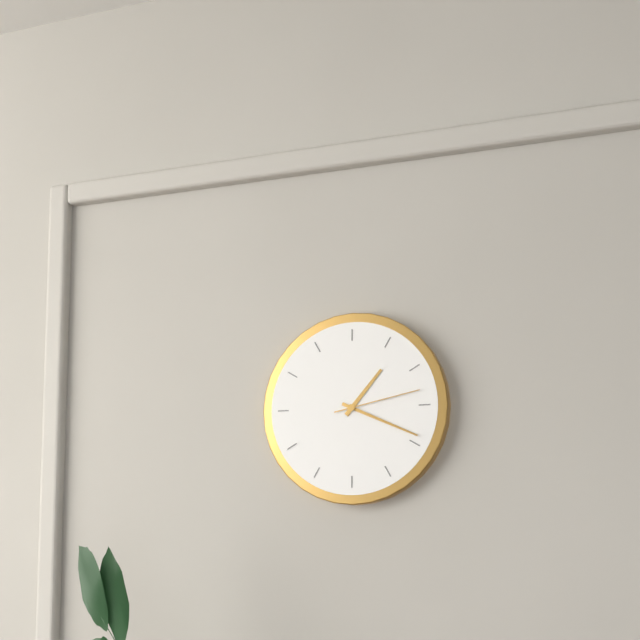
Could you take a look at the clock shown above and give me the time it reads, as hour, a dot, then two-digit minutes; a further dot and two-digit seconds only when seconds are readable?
1.19.13
